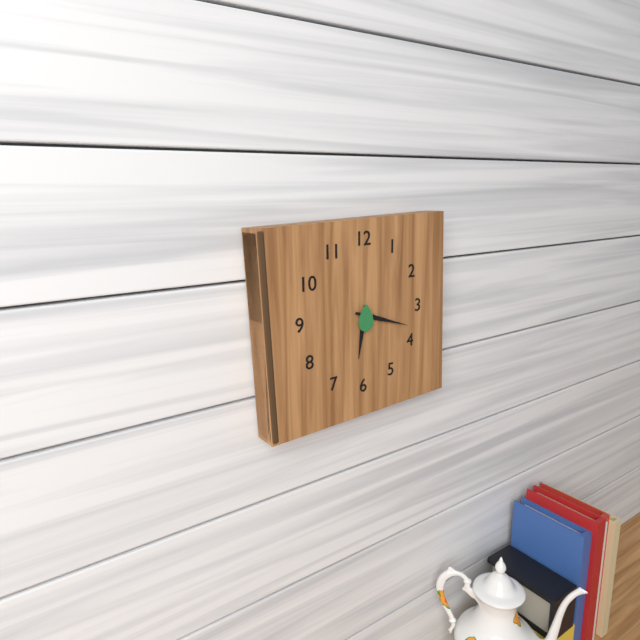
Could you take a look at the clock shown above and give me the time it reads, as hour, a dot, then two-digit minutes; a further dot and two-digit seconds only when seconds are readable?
6.18
